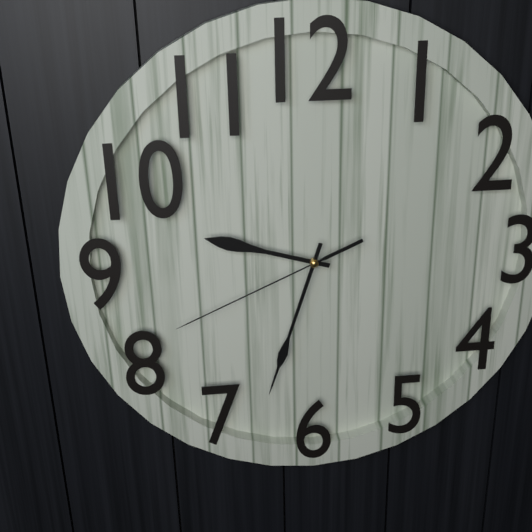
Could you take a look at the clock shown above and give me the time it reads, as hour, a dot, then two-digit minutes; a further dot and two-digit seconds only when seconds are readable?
9.33.41
